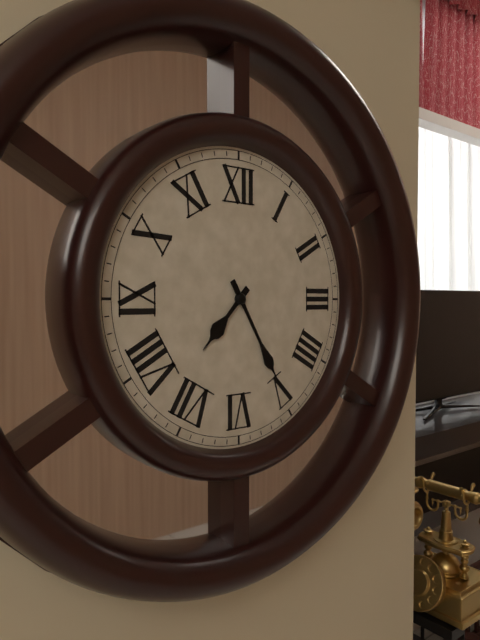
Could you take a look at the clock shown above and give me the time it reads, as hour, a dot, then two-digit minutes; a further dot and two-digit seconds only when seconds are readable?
7.25
